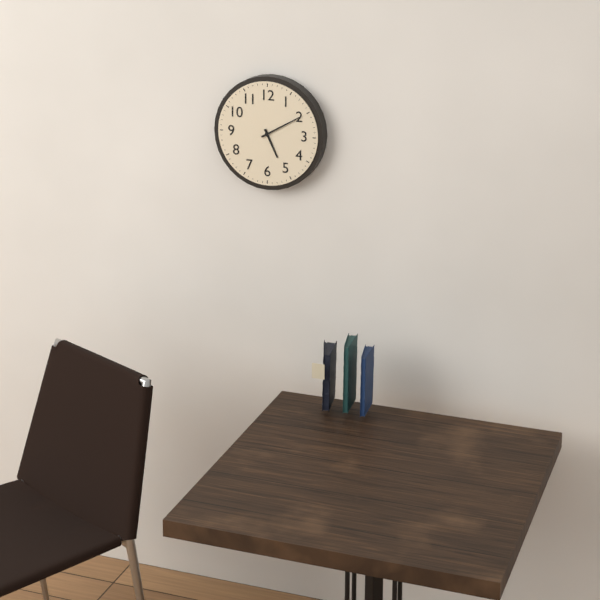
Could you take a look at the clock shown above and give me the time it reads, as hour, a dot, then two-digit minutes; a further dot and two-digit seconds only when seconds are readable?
5.10
